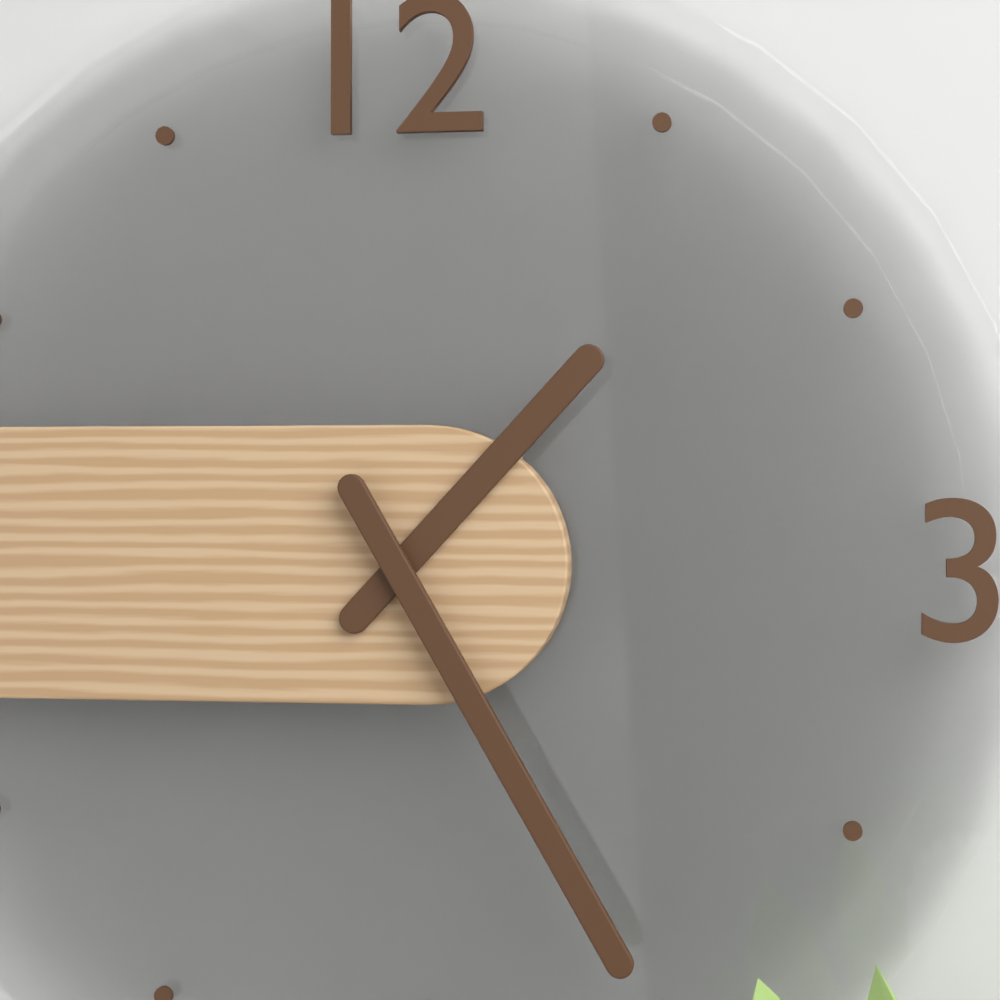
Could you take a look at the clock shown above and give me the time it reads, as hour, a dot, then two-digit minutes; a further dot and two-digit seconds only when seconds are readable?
1.25
